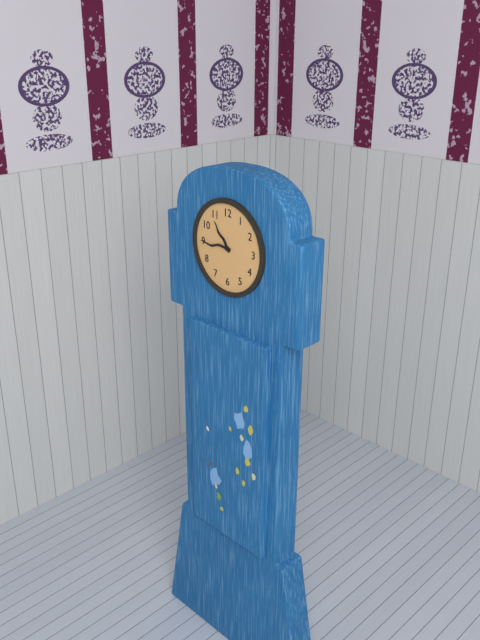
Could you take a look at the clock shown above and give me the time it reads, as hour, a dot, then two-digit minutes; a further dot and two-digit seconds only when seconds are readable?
10.45
